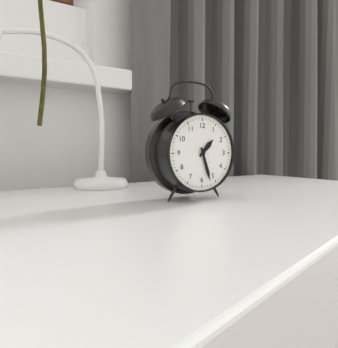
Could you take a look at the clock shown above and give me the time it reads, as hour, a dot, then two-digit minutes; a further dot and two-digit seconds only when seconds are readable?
1.27
